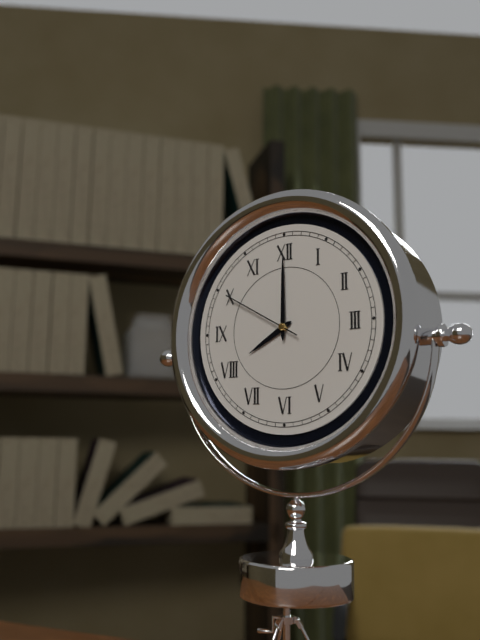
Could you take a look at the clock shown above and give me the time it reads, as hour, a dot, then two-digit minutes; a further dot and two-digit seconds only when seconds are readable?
8.00.50
